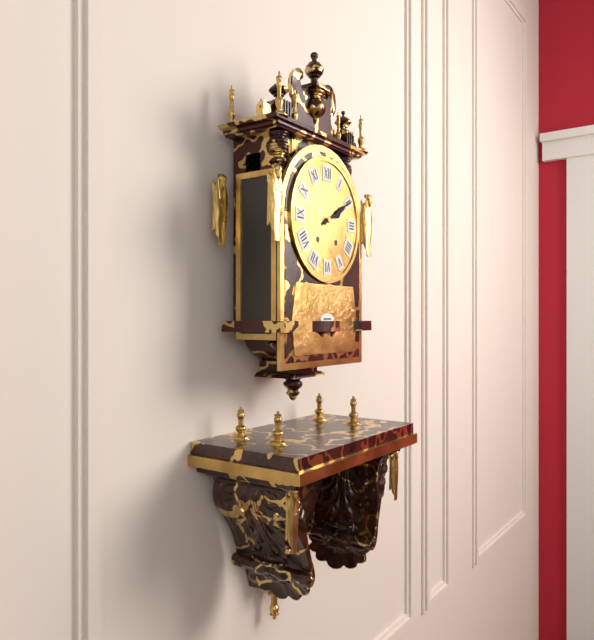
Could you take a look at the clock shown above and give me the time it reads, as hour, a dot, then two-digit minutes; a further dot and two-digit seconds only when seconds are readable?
2.10
